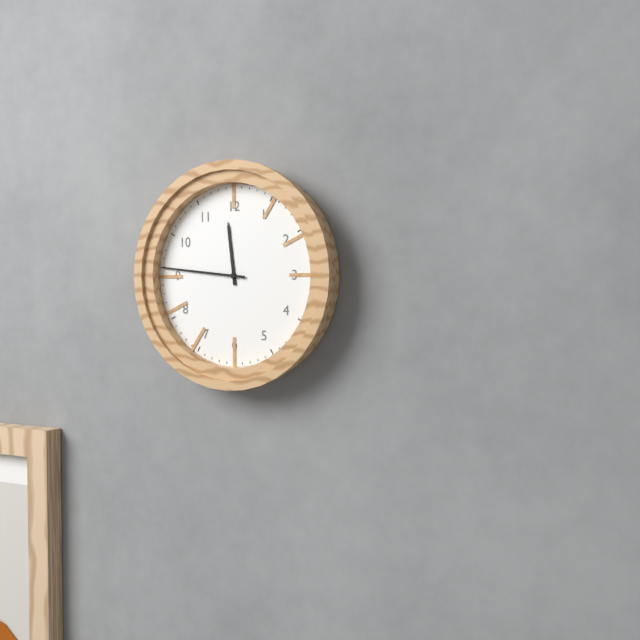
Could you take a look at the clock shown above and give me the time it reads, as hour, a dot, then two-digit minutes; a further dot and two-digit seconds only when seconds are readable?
11.46
